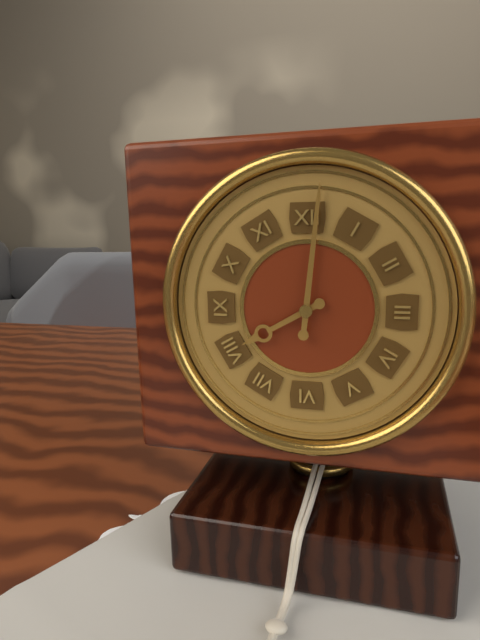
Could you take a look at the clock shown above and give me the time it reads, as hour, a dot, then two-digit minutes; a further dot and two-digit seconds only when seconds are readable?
8.01
